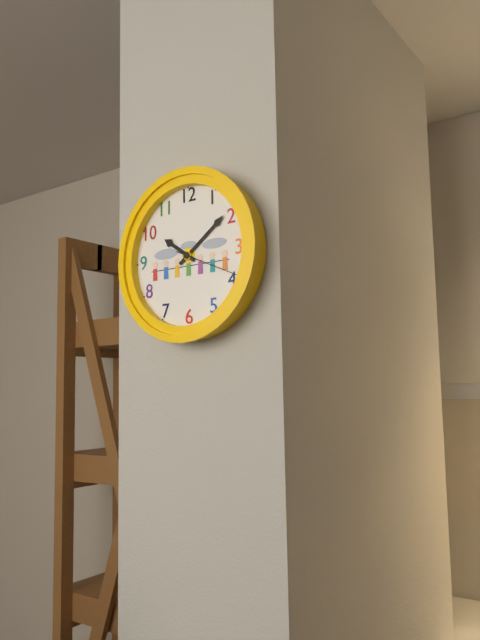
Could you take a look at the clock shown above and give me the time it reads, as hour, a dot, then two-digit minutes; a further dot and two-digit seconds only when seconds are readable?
10.09.19
